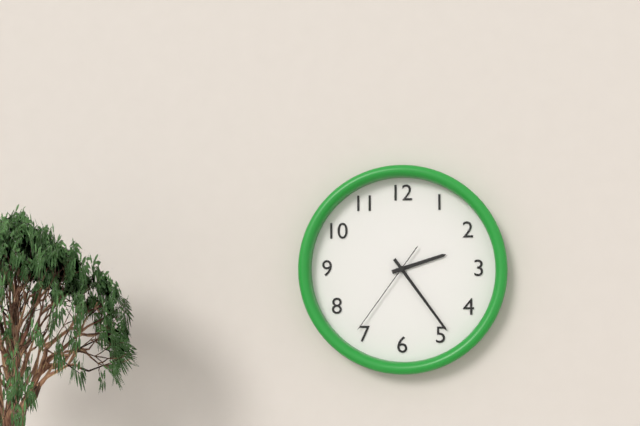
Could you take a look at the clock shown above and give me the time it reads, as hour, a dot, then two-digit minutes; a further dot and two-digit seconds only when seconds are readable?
2.24.36
